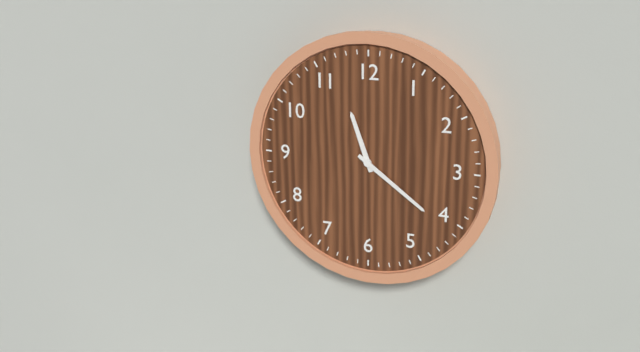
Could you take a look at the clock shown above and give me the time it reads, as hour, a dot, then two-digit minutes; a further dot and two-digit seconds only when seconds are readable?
11.21
